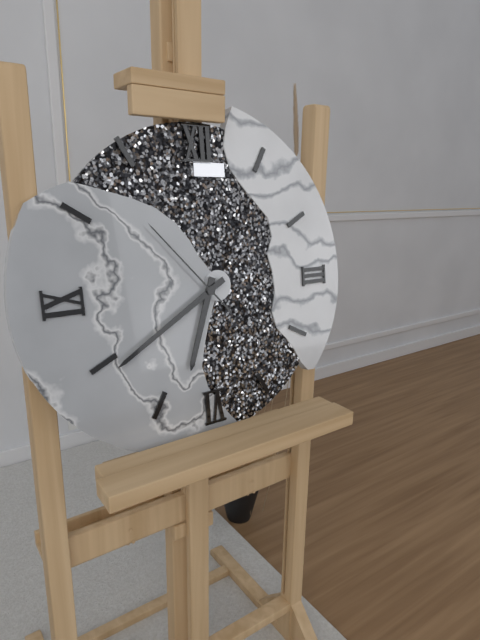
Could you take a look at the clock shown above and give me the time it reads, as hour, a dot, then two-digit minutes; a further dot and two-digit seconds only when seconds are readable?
6.40.53
